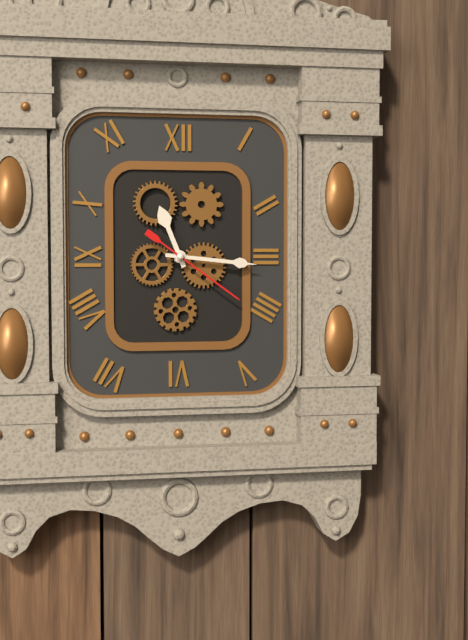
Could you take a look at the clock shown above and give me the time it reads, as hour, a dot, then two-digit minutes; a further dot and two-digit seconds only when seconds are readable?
11.16.21
